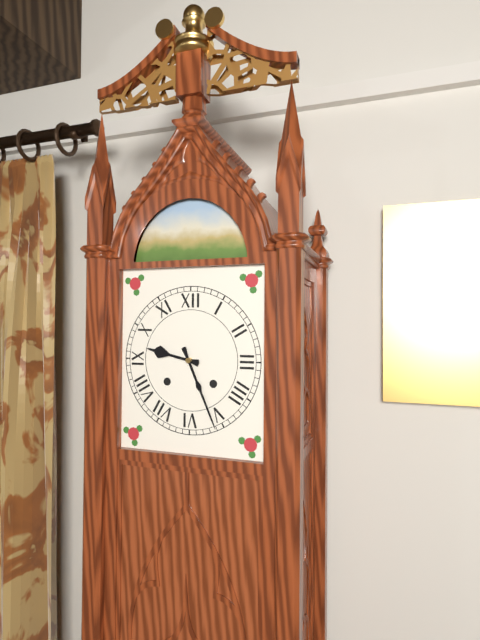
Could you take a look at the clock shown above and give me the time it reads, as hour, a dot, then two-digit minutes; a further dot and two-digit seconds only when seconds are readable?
9.26
